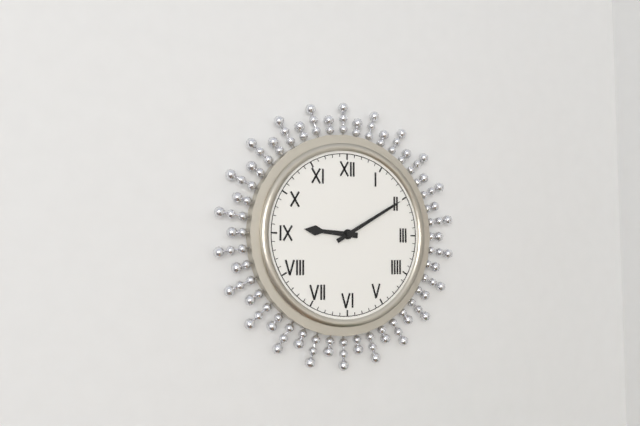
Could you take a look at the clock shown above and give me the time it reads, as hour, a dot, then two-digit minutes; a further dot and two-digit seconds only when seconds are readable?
9.10
